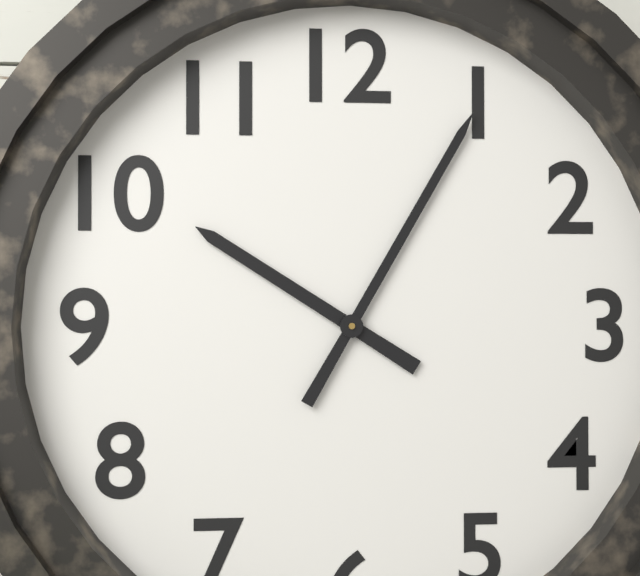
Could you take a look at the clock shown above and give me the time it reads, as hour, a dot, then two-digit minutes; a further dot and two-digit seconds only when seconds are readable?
10.05
